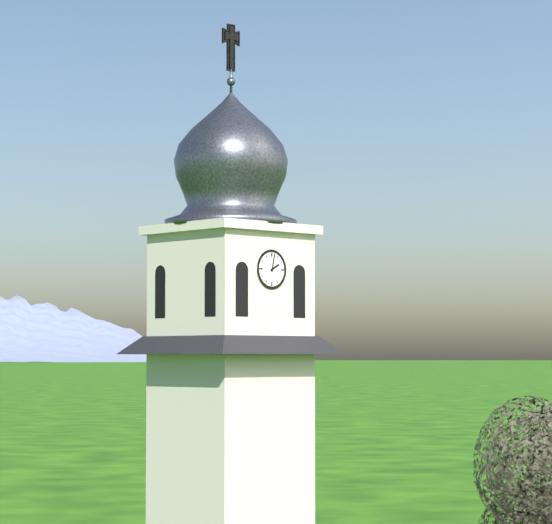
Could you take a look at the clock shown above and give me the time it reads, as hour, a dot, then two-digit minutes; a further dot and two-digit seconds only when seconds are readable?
2.02
